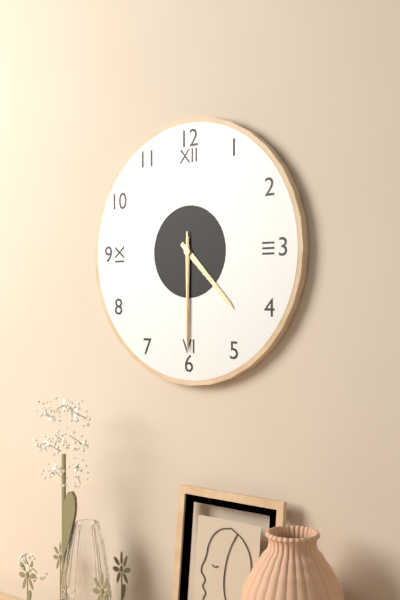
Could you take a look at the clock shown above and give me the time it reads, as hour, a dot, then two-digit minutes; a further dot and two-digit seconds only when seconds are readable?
4.30.30
